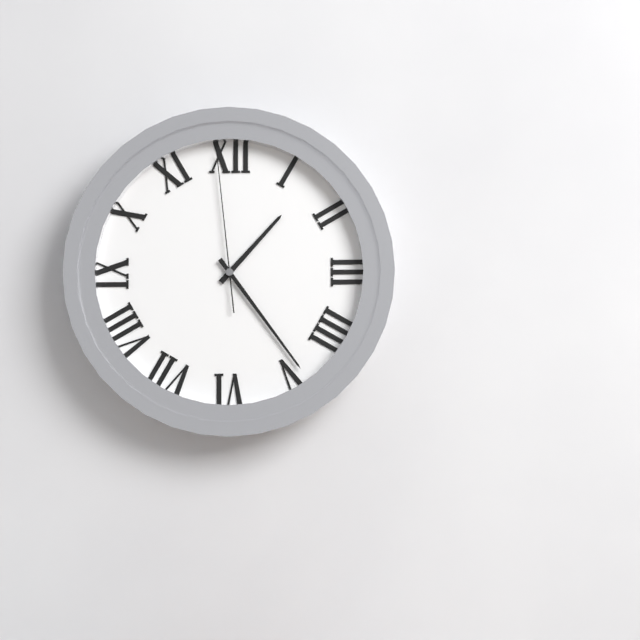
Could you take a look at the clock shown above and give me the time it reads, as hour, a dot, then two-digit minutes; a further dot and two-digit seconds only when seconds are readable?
1.24.59
